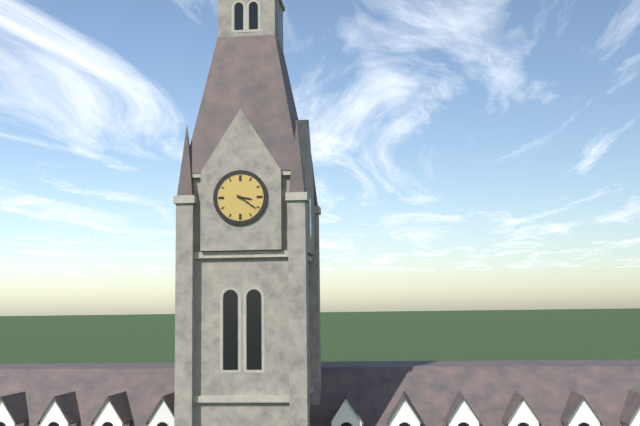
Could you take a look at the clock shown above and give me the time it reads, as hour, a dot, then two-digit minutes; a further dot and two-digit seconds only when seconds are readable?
3.21
